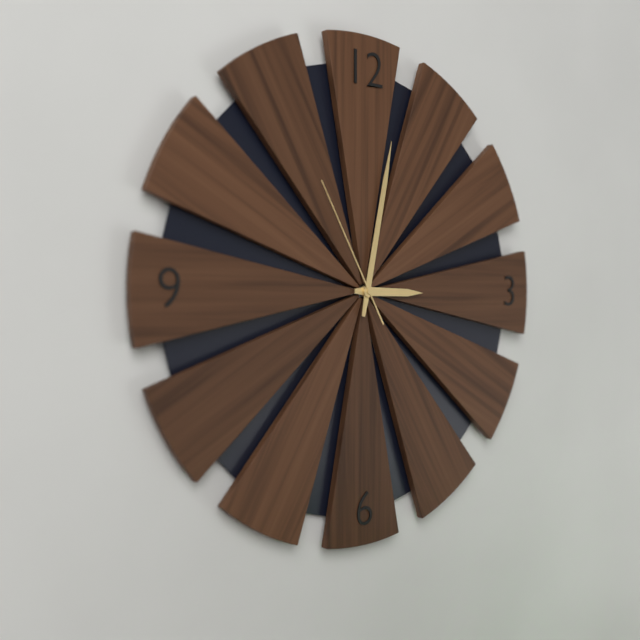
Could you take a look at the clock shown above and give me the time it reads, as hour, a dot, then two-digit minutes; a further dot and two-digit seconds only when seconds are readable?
3.02.55
